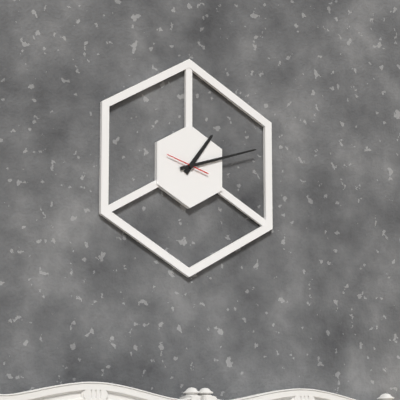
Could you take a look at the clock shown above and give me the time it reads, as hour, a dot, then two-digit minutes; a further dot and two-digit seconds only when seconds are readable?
1.12
